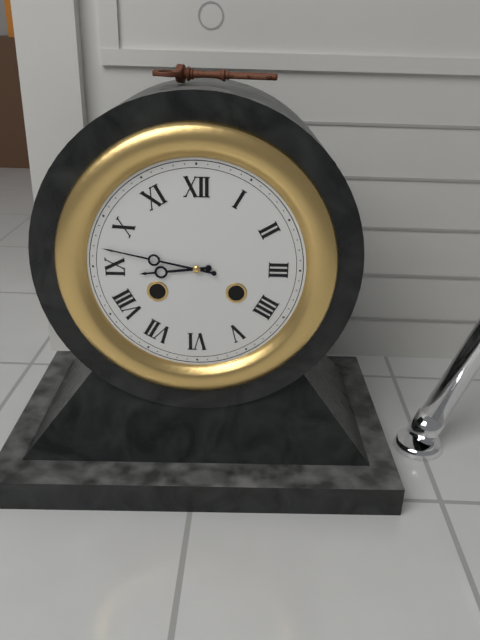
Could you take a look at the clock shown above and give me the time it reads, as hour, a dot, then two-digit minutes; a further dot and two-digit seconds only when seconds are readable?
8.47
